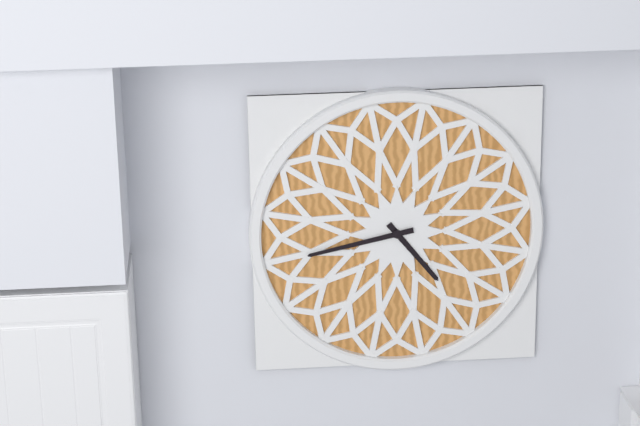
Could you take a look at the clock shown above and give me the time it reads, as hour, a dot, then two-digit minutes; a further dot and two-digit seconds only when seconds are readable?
4.43
